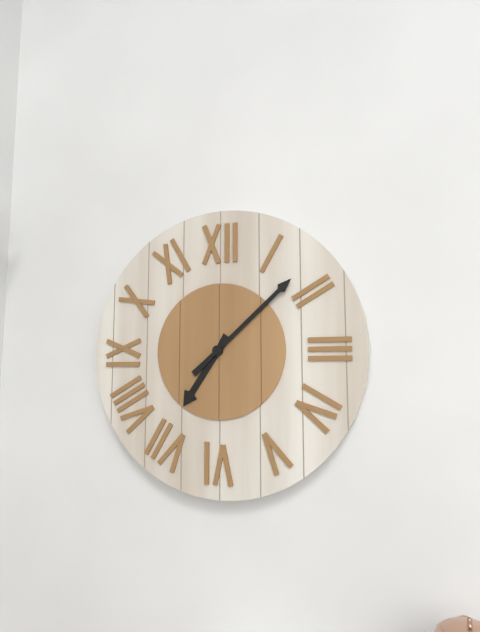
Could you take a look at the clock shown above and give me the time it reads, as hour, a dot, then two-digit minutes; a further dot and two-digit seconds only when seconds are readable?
7.08
